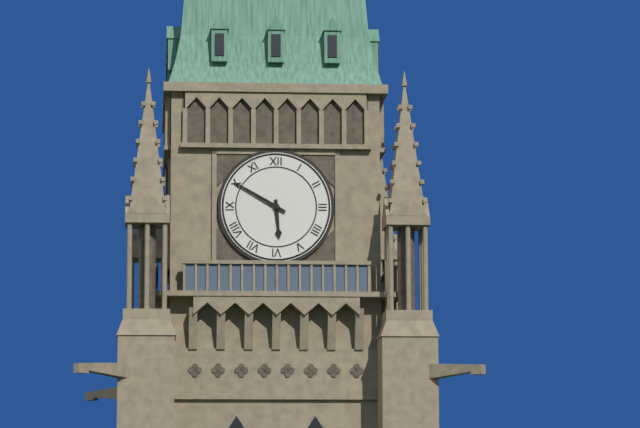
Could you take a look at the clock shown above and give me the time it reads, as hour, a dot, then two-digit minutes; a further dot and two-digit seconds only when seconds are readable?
5.50
